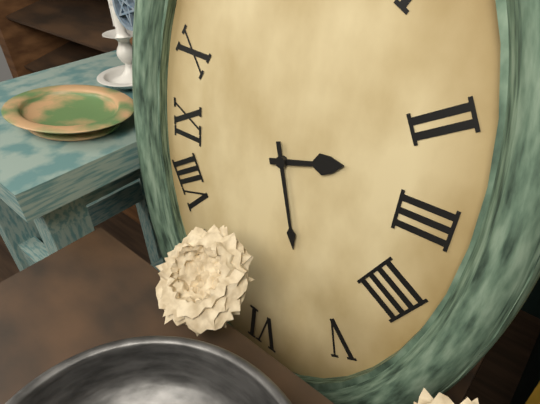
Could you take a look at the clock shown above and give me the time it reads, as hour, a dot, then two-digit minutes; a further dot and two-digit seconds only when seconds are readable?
2.27
